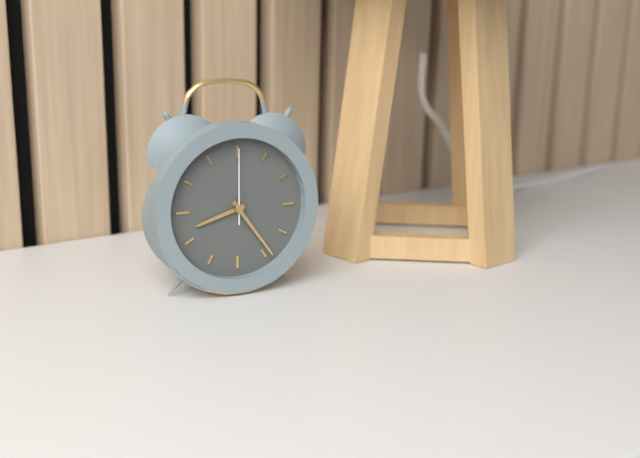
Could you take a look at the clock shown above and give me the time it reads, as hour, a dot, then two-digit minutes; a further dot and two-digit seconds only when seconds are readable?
8.24.00
